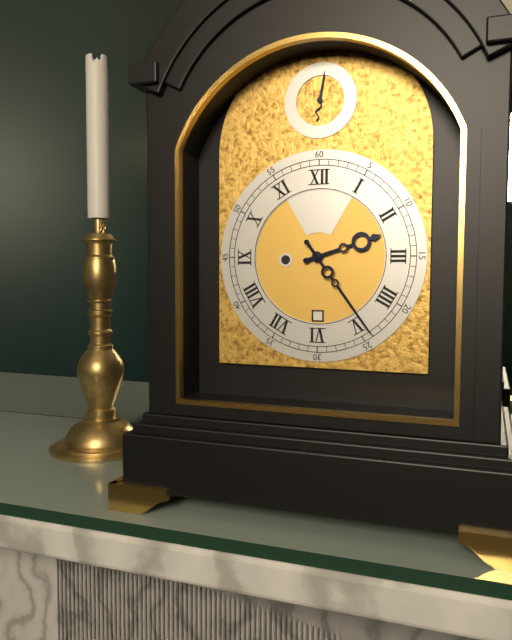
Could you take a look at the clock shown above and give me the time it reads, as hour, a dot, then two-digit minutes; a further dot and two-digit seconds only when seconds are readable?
2.24
